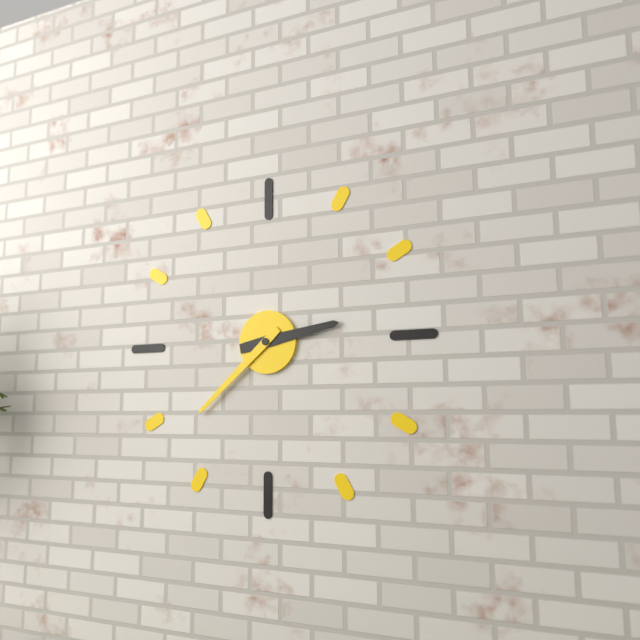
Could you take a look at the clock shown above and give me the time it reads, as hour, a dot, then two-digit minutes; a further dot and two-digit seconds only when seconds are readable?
2.38
